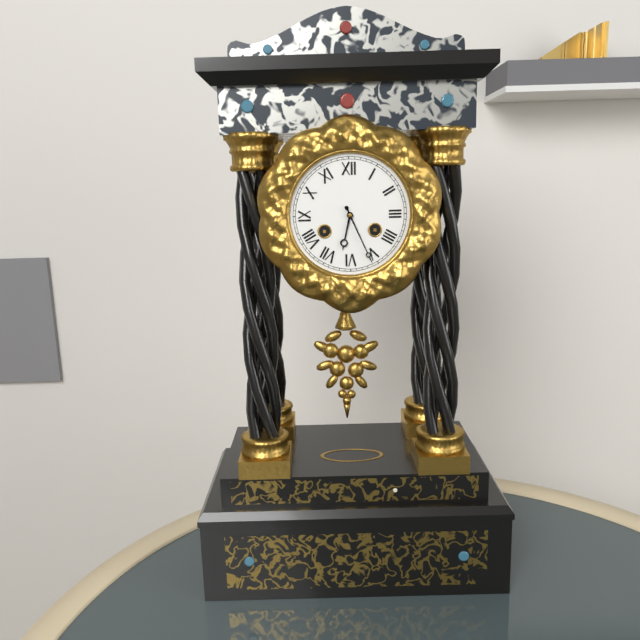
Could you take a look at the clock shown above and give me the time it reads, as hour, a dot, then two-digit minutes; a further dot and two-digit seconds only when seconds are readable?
6.26
